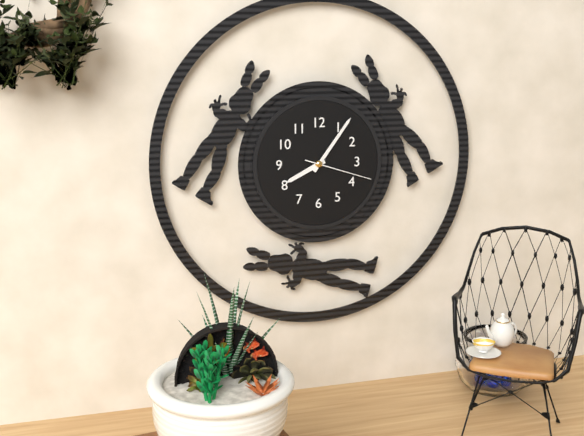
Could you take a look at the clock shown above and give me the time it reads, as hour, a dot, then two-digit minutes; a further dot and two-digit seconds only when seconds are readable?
8.06.18
